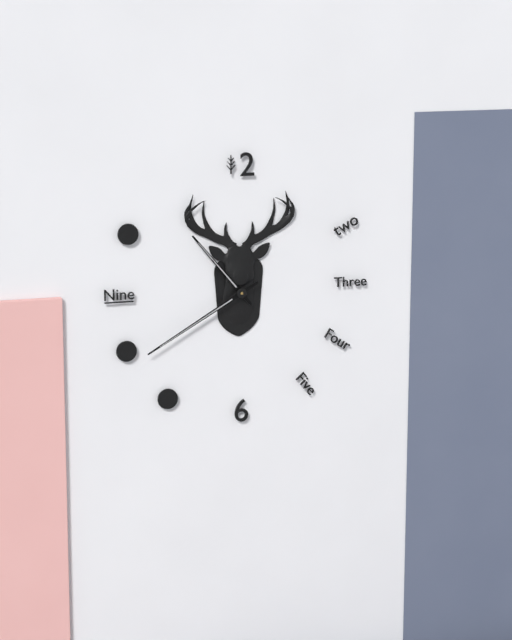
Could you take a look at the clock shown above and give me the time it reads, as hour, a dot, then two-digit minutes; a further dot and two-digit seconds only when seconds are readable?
10.40
